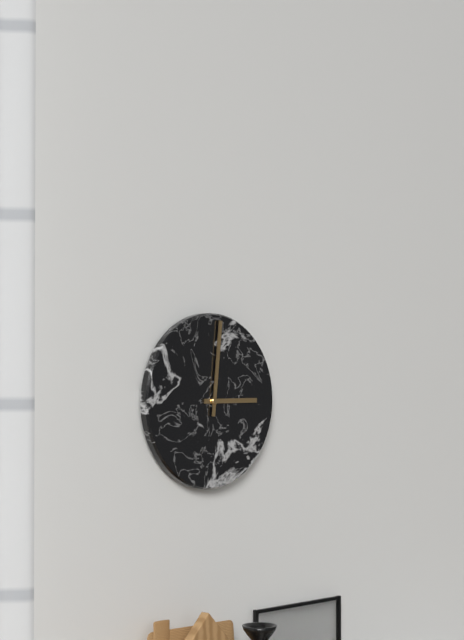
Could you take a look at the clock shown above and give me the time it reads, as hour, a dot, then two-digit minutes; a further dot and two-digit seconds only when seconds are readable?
3.01
